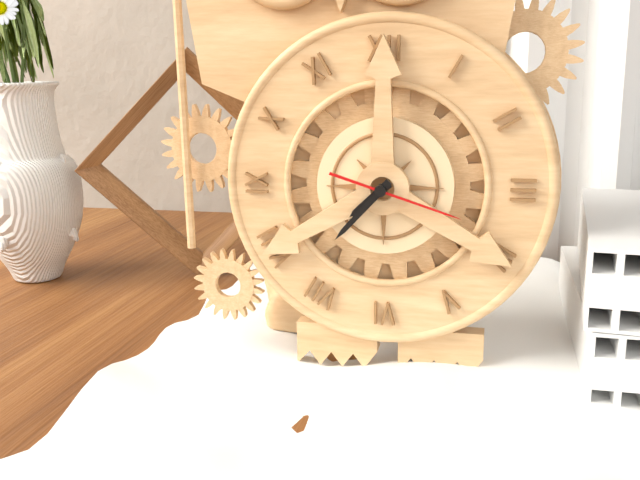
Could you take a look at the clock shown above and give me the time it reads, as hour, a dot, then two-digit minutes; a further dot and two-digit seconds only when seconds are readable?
7.37.18
